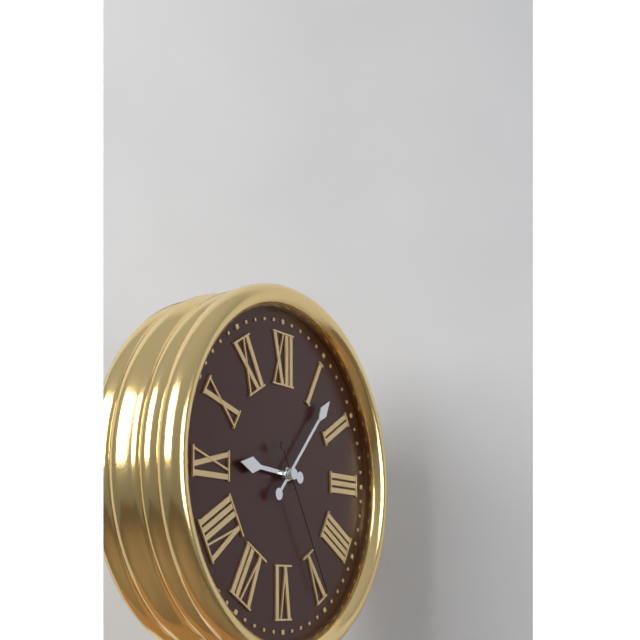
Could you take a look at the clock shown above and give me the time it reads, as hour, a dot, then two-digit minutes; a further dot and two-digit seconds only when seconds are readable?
9.07.25
